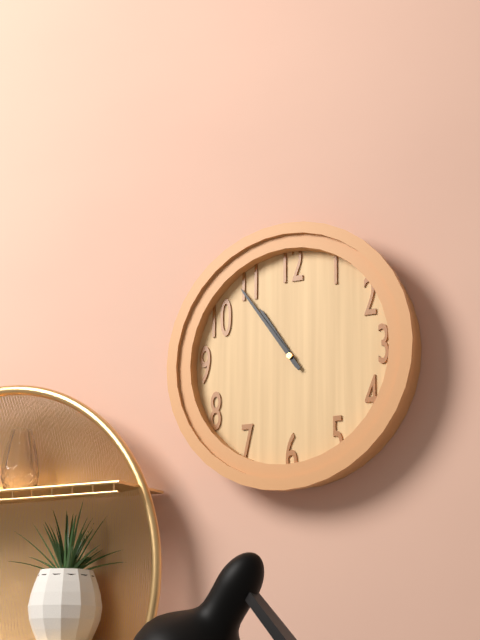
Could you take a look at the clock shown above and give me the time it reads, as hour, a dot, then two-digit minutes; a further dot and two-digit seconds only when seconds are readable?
10.54
